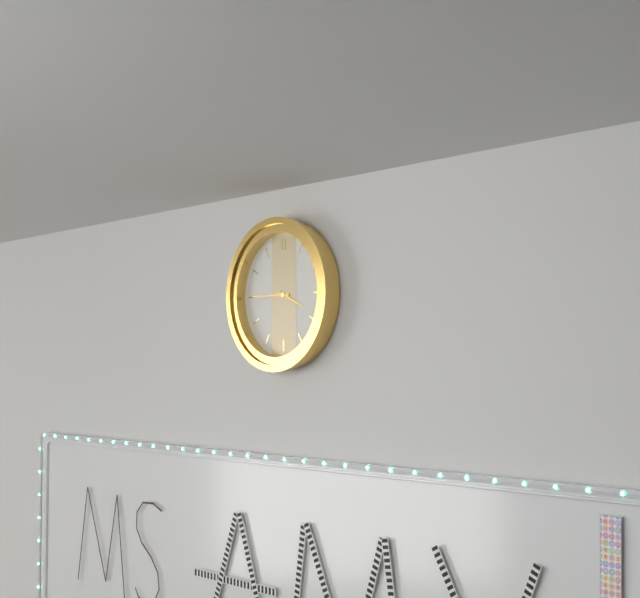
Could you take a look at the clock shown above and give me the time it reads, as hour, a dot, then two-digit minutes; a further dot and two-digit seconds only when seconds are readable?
3.45
